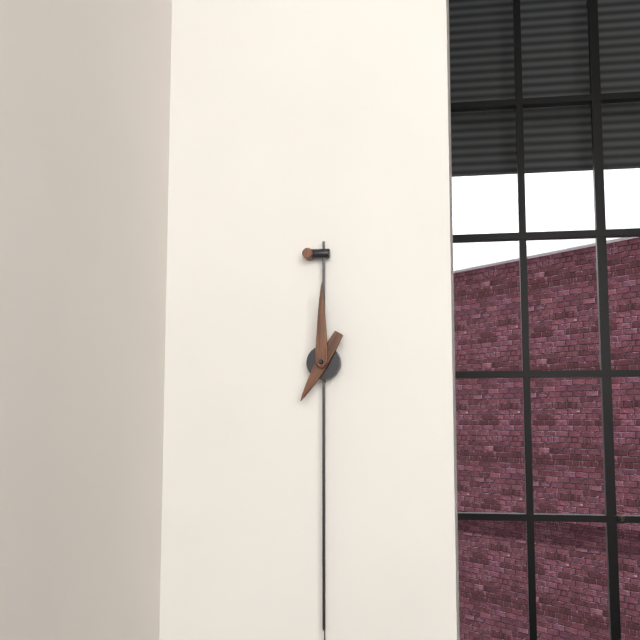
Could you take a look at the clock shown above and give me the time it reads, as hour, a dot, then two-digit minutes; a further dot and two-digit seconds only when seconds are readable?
7.00
